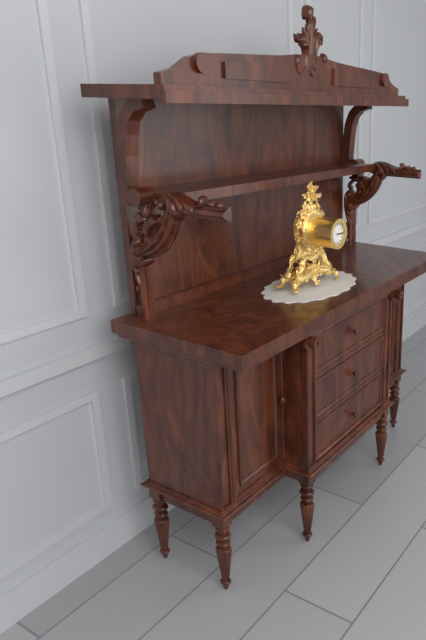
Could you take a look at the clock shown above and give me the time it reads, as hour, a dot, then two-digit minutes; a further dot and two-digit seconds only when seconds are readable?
3.16
